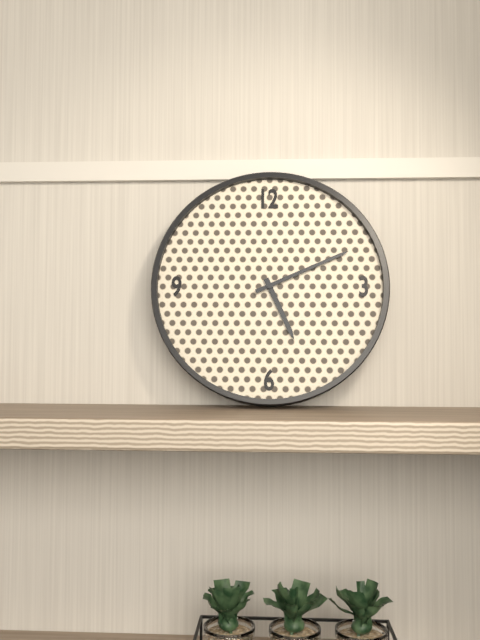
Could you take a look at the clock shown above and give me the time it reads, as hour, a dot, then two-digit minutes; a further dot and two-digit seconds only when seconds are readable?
5.11
